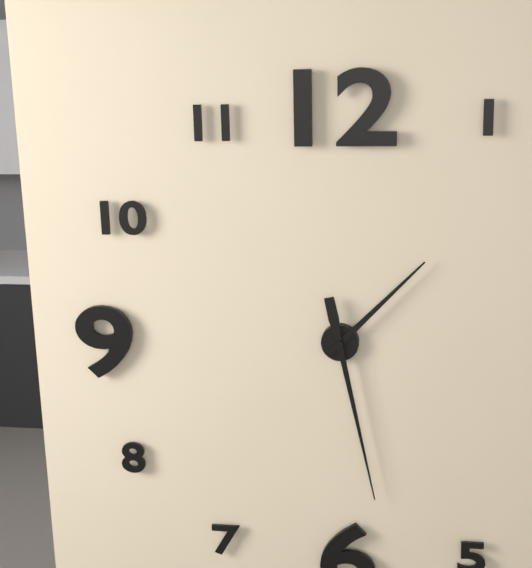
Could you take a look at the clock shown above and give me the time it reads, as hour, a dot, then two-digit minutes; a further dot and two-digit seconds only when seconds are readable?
1.28
